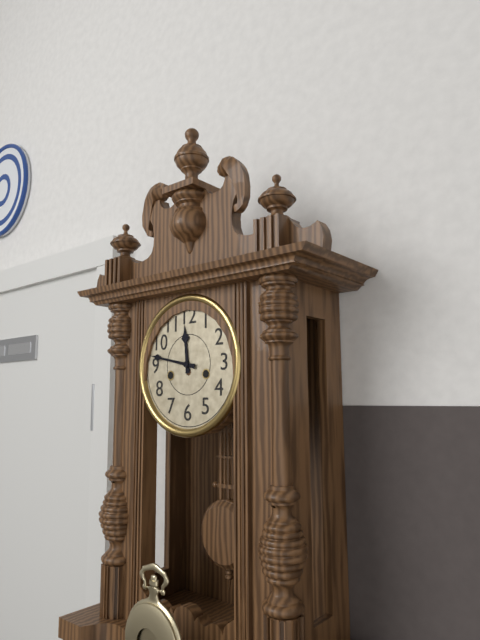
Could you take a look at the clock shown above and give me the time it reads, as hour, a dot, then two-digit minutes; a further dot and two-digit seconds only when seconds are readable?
11.47
